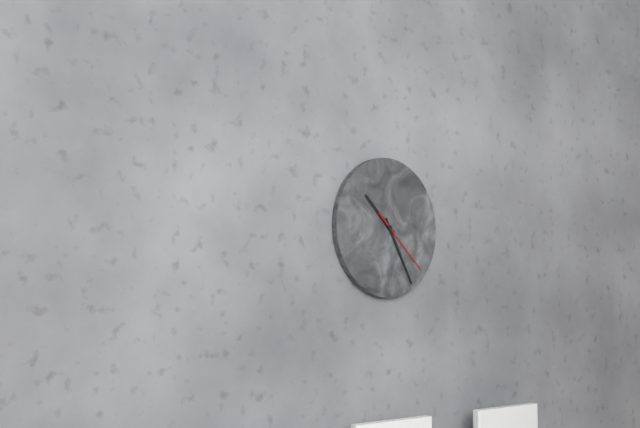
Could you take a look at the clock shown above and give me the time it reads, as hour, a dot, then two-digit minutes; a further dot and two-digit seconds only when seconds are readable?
10.25.22
